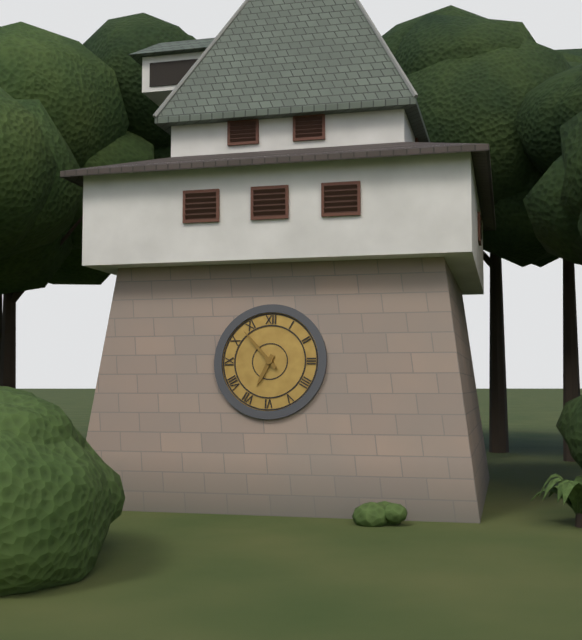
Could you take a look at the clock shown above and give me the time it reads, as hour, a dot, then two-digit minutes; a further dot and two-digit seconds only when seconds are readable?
6.53
